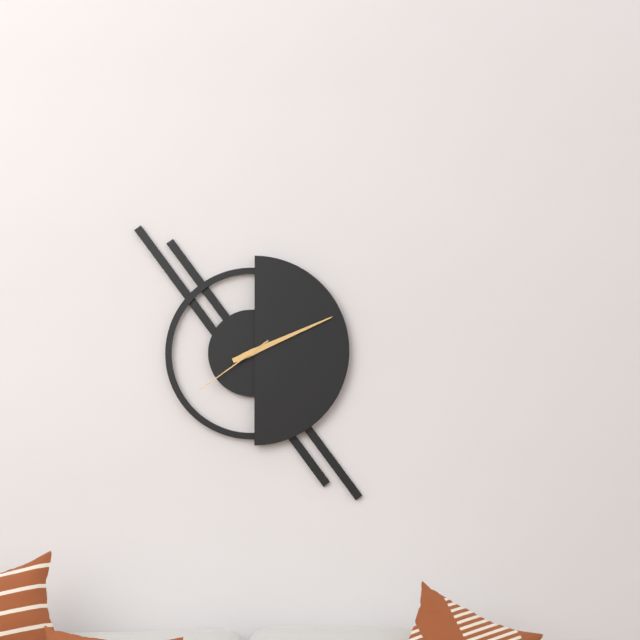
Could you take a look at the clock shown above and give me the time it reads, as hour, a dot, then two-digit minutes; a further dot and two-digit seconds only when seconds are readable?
2.11.39
